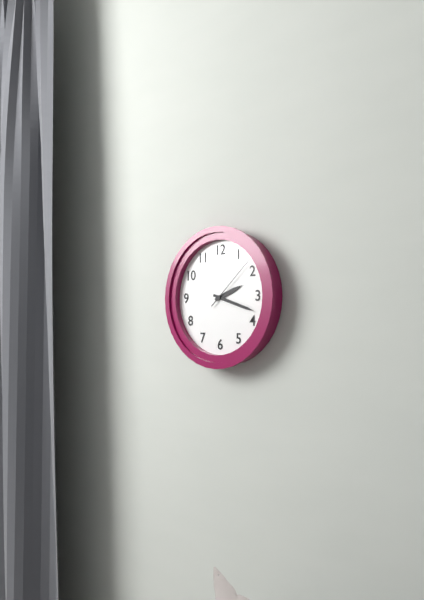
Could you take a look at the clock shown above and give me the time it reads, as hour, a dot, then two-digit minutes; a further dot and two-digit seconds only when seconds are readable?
2.18.08
